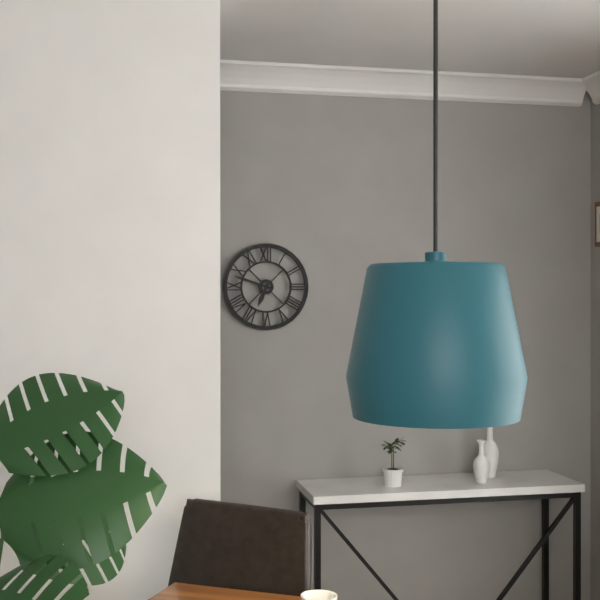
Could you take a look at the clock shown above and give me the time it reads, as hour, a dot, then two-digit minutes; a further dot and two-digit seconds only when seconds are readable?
6.48
